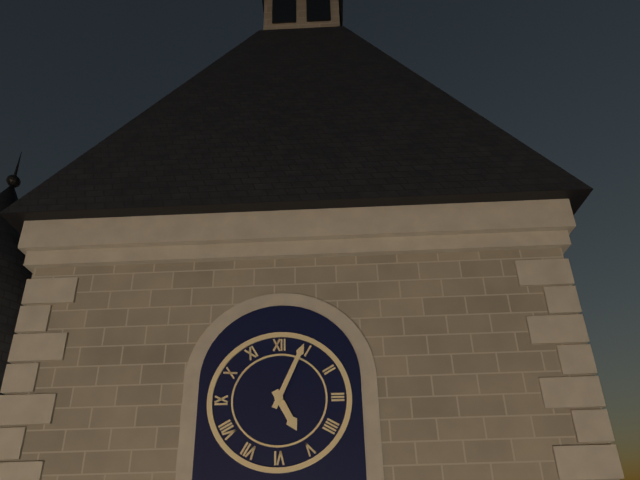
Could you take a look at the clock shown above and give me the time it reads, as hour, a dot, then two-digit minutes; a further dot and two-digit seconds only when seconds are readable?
5.04
